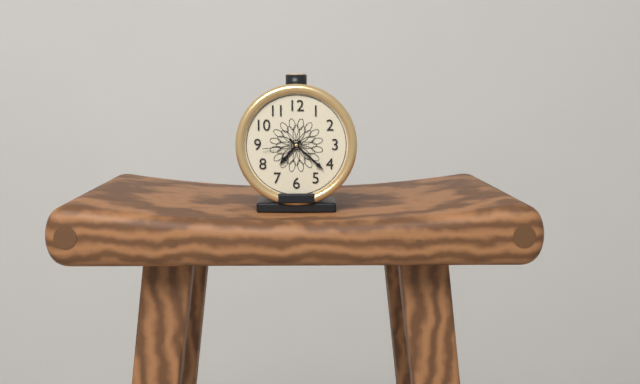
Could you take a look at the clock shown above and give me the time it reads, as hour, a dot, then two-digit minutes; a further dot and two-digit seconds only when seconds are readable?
7.22
